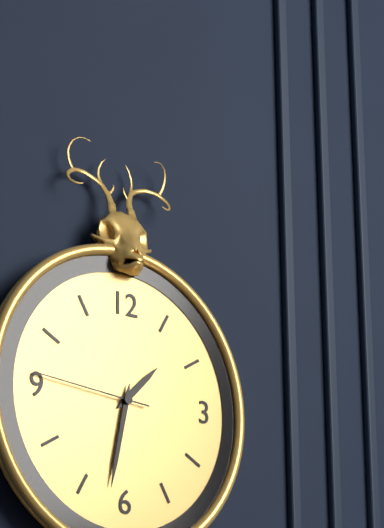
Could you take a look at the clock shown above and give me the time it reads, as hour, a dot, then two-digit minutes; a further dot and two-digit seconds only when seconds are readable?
1.32.46
